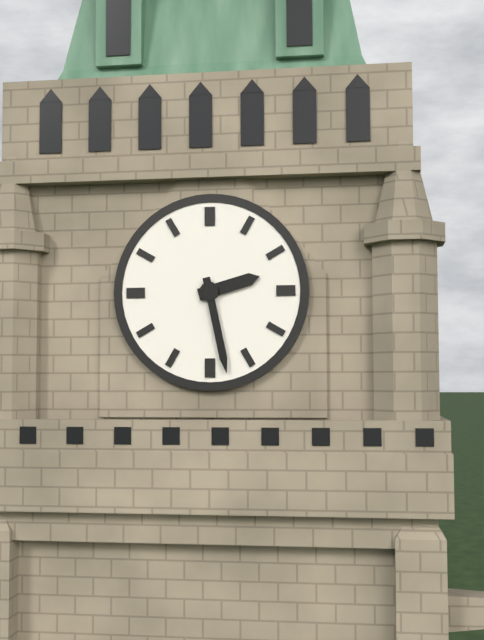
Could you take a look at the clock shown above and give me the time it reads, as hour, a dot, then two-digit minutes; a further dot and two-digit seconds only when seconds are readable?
2.28
